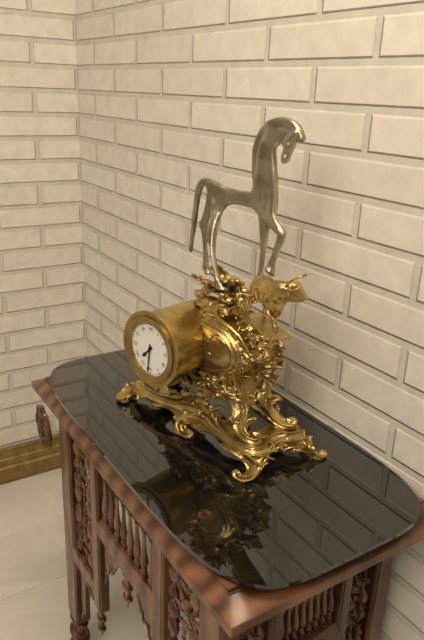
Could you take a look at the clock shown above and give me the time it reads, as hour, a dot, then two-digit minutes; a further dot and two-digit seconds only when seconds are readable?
7.31
